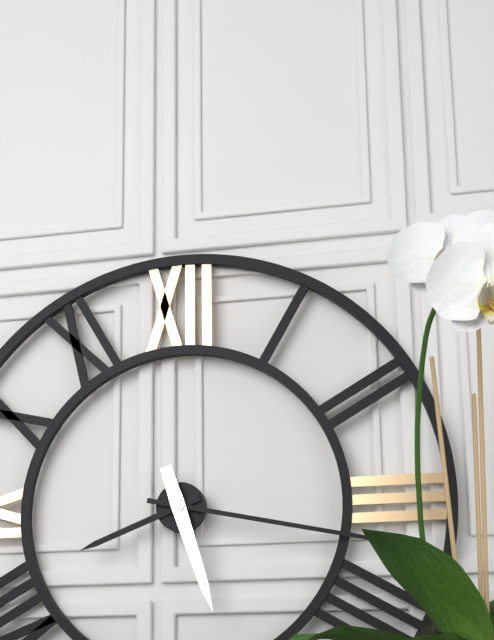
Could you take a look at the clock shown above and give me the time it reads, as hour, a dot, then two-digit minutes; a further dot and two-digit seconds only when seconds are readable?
8.17.27
